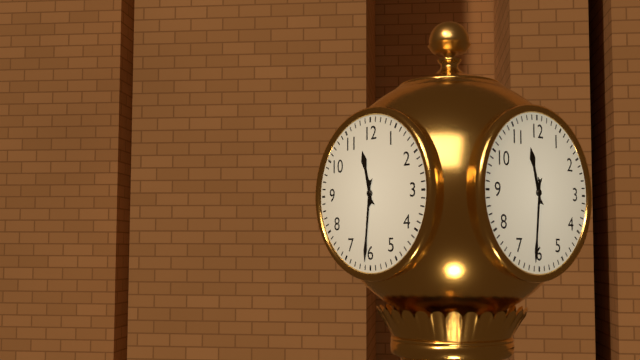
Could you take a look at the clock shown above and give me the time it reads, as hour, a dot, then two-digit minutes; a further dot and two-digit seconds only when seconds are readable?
11.31
